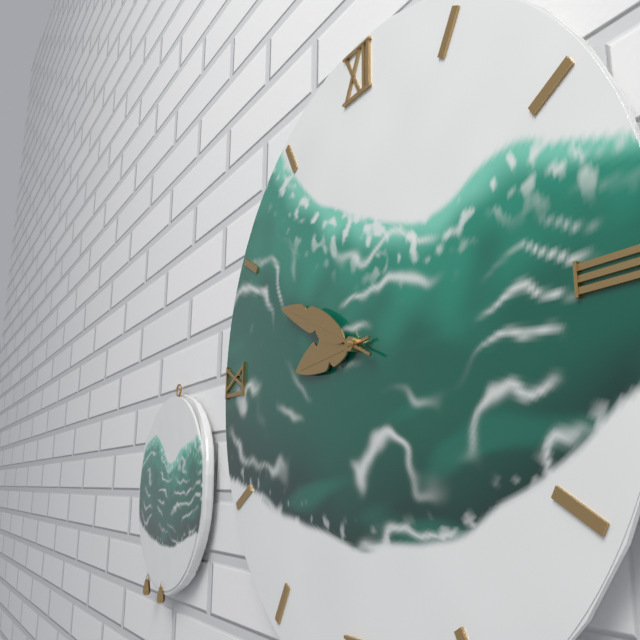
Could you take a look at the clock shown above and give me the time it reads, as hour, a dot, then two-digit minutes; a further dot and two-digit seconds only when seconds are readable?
8.49
